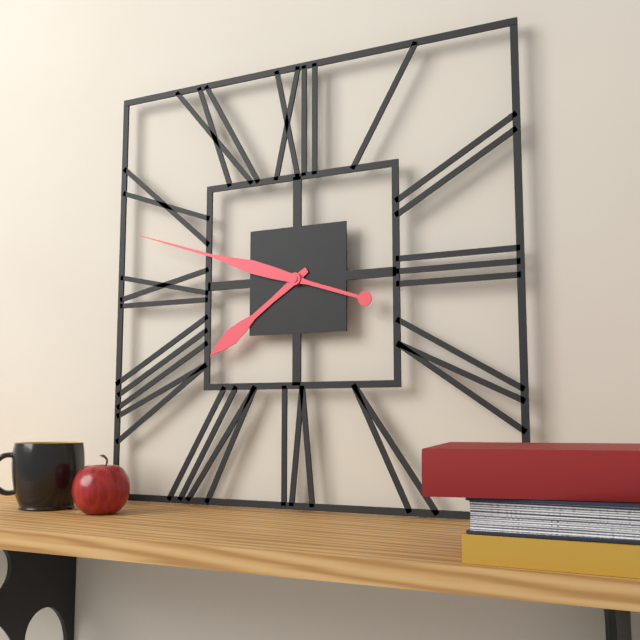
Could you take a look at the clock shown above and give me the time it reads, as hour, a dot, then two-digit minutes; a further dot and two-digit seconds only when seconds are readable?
7.48
